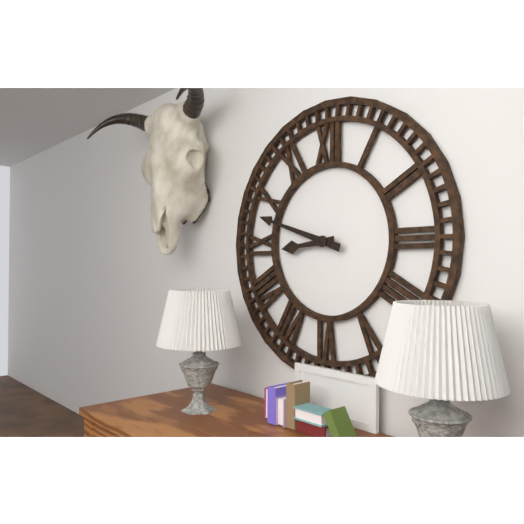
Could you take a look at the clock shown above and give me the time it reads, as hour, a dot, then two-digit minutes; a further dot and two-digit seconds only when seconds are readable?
8.48
